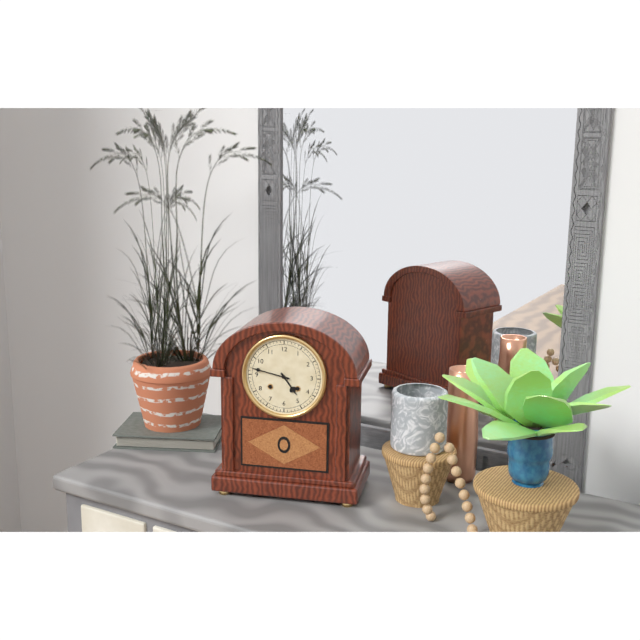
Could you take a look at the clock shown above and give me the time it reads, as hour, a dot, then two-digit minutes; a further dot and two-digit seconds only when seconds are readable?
4.47
